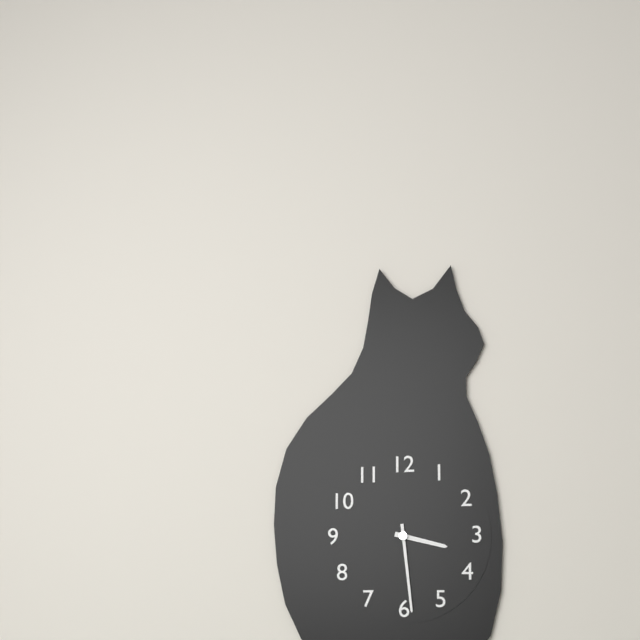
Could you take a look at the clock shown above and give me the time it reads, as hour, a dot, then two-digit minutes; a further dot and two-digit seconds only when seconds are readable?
3.29
